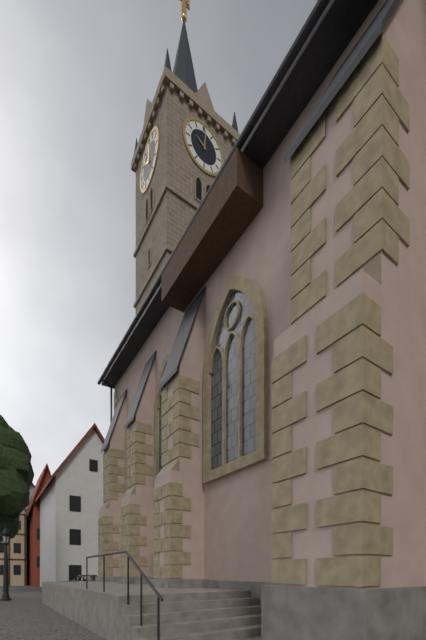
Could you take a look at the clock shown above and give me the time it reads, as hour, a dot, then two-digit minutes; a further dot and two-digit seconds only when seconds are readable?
10.01
